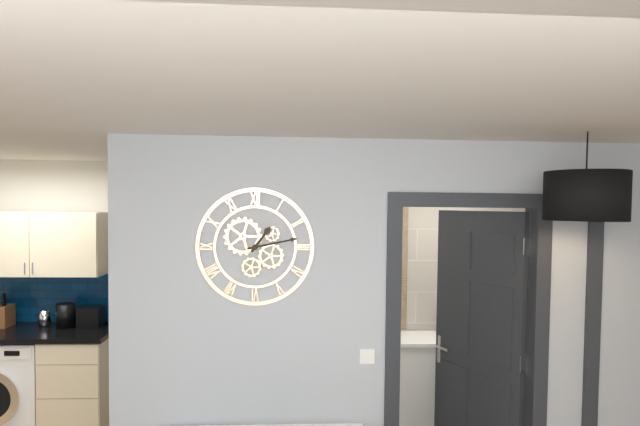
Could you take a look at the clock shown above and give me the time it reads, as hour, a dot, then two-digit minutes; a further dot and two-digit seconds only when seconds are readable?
1.13
